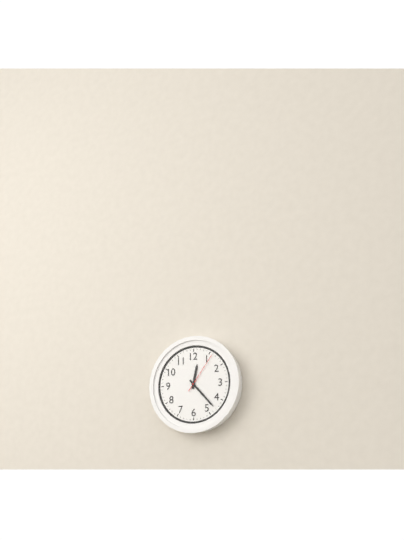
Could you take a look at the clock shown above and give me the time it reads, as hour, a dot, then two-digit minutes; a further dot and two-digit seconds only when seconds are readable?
12.23
